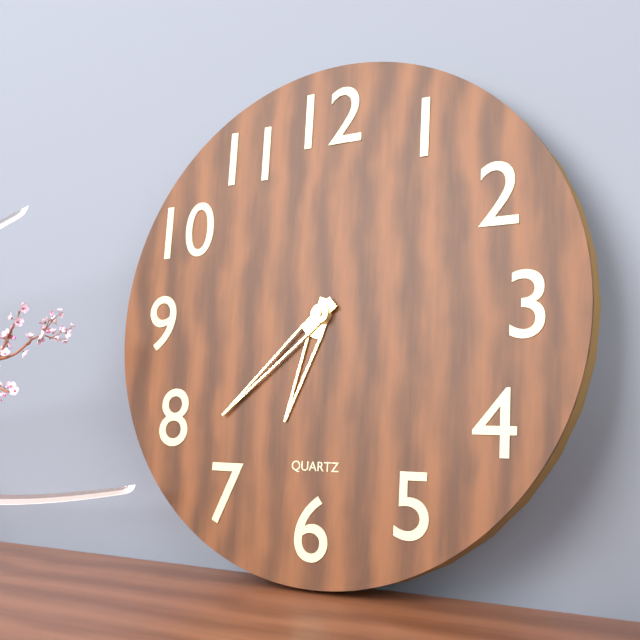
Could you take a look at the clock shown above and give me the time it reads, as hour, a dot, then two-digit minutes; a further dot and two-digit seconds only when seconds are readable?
6.38
